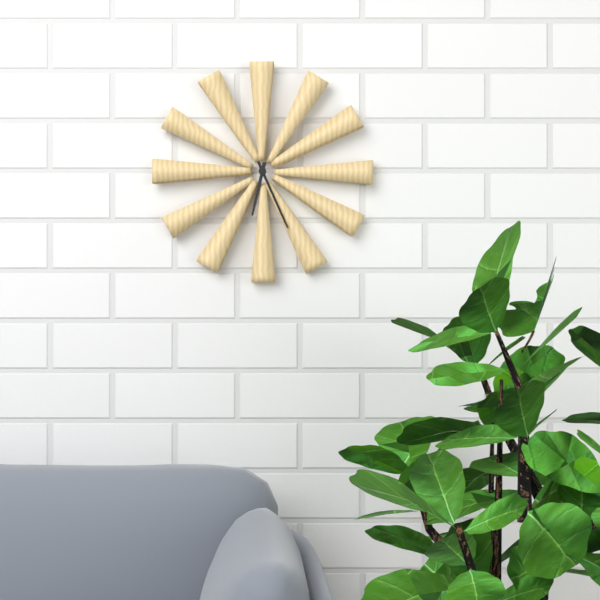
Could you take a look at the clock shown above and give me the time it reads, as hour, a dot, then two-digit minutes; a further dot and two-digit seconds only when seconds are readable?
6.26
